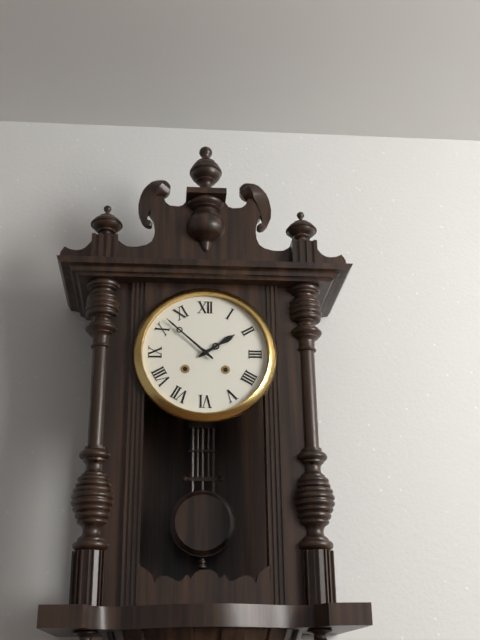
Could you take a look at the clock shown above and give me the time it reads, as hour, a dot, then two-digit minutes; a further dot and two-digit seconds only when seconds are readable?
1.52
